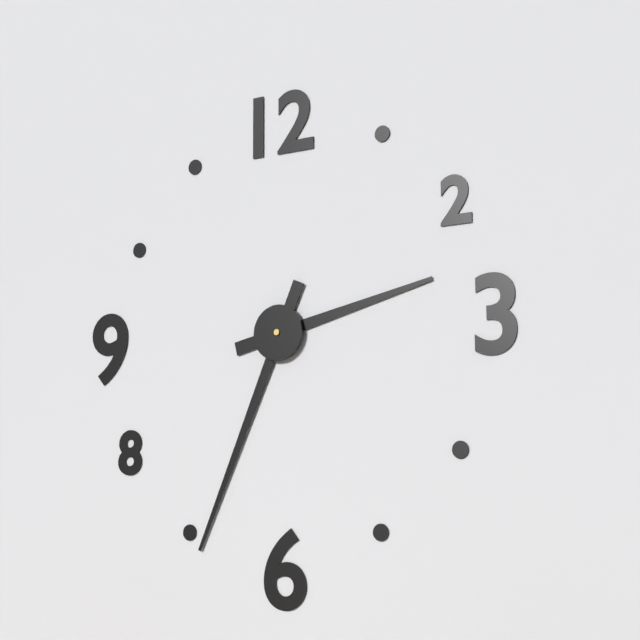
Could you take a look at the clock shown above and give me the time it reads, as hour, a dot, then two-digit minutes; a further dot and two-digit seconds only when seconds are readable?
2.34
